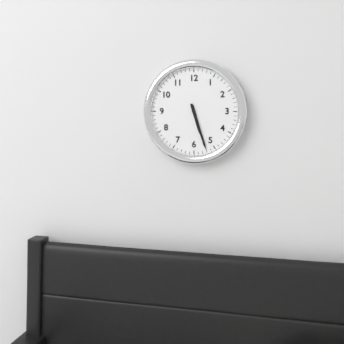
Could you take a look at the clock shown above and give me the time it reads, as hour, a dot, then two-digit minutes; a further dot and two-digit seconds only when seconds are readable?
5.27
